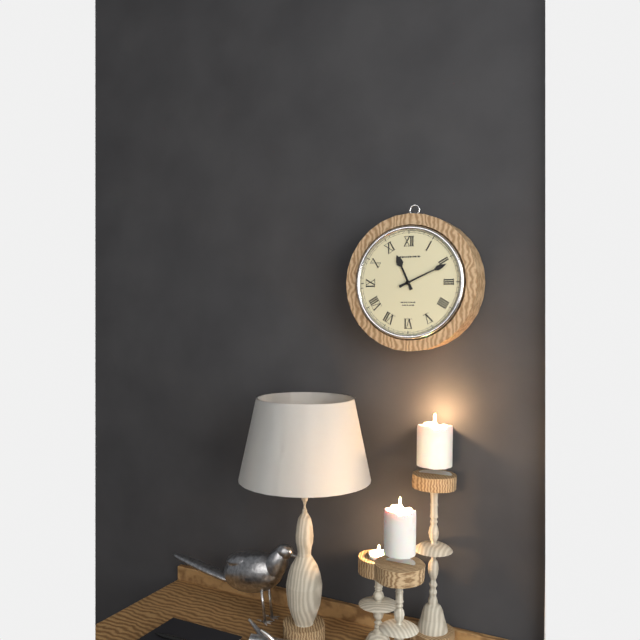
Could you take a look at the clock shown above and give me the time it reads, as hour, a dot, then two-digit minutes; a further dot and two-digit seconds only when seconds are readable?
11.11
